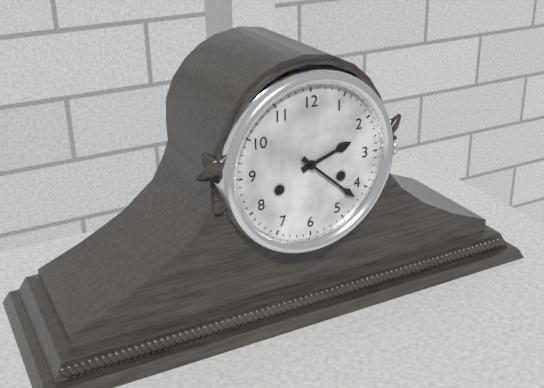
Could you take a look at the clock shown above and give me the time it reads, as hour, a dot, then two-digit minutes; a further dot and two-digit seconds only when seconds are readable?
2.22
